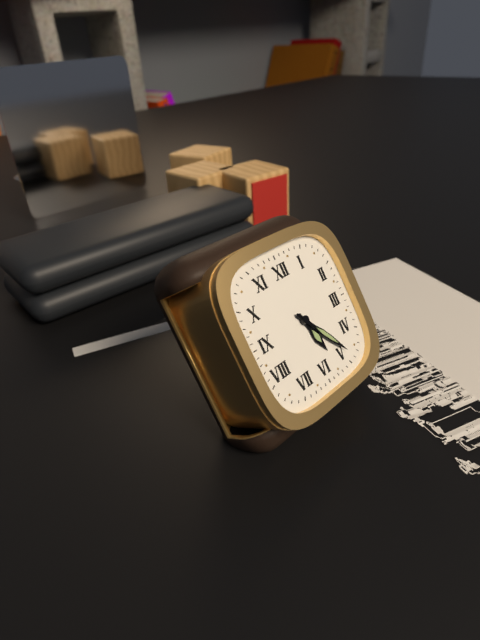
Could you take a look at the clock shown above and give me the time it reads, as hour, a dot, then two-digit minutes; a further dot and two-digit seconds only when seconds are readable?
5.24
